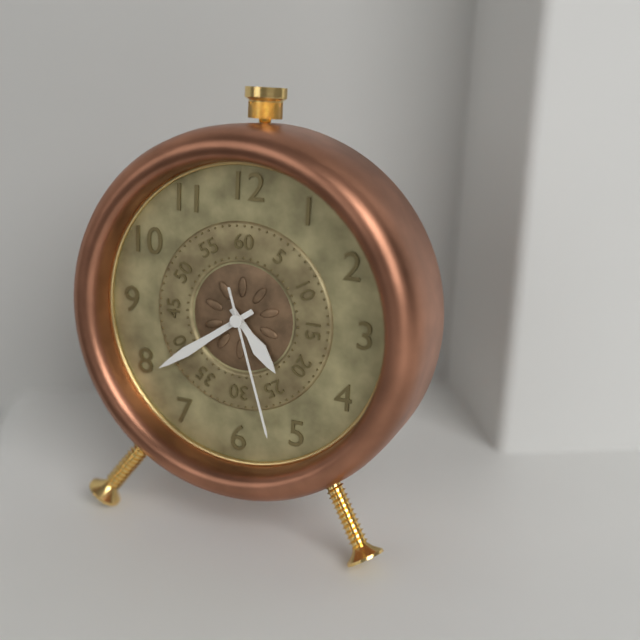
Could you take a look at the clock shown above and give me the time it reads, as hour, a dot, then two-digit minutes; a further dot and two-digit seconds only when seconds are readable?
4.39.27
